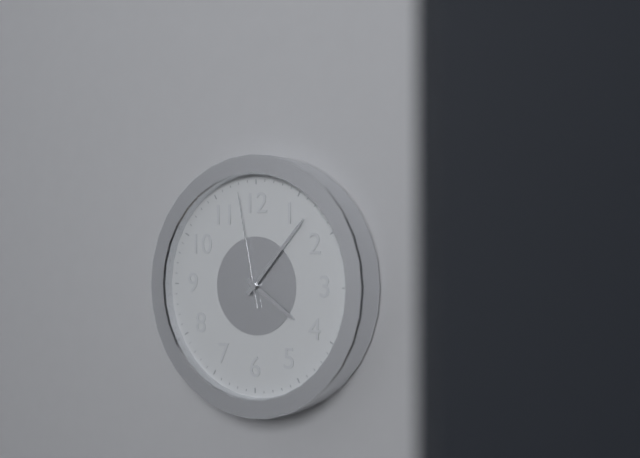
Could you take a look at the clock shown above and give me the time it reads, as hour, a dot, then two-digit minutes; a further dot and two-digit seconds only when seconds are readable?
4.07.58
